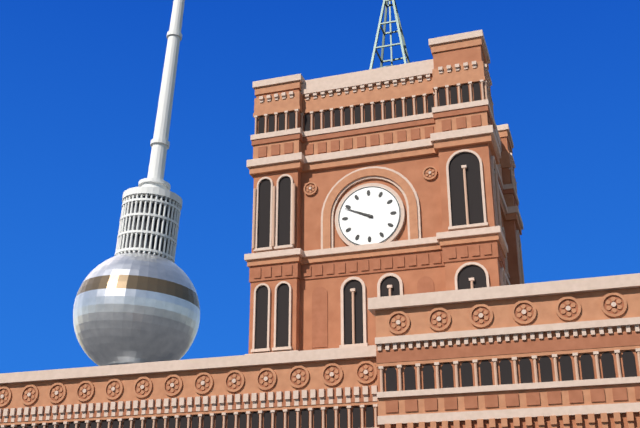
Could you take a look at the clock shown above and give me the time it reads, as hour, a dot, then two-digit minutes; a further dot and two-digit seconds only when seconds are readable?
9.49
